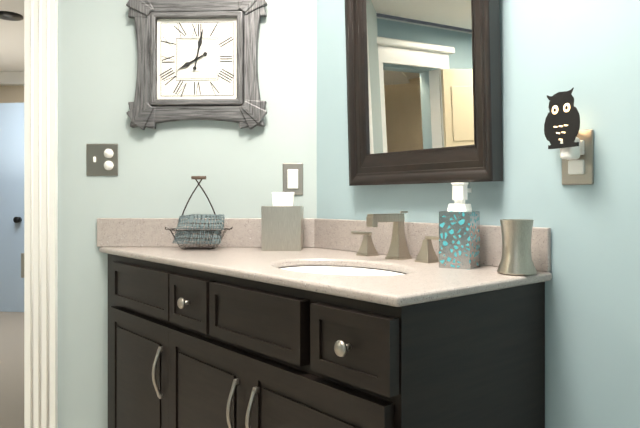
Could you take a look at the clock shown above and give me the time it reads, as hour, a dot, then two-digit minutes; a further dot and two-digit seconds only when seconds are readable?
8.02
